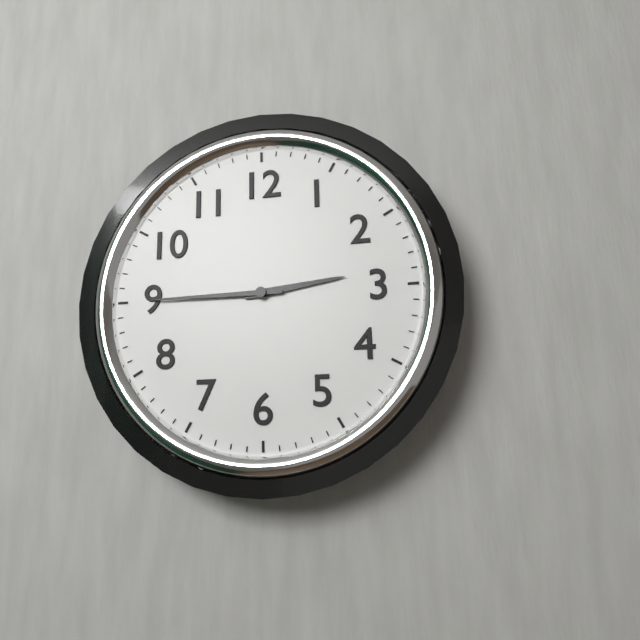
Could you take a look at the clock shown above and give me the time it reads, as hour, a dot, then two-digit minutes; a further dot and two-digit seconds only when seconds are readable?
2.45
